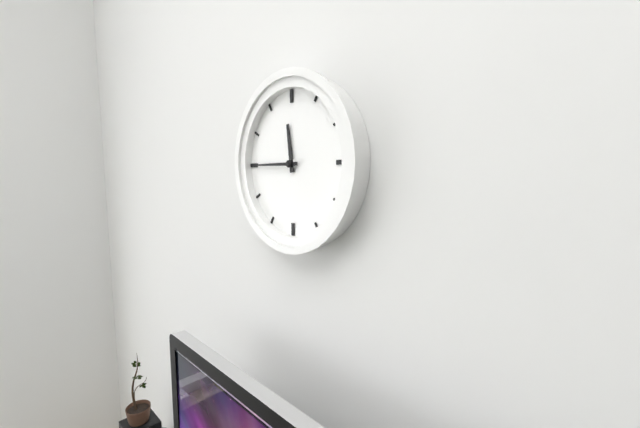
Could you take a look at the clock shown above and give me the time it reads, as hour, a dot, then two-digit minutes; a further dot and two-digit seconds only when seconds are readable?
11.45
